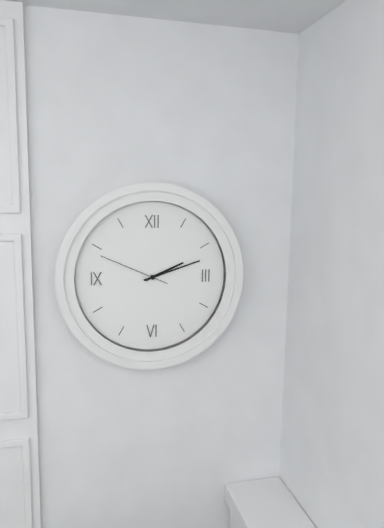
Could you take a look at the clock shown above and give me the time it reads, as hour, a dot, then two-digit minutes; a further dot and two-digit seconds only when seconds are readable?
2.12.49
